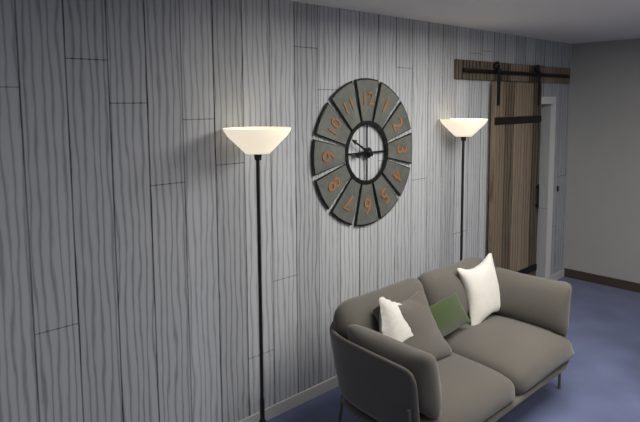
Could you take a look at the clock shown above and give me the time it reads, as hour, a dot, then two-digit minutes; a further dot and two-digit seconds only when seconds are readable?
8.50
